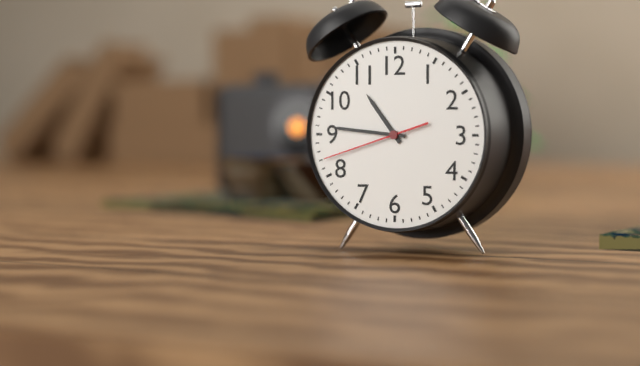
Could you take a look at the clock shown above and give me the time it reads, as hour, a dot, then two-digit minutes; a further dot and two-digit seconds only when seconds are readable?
10.46.42
